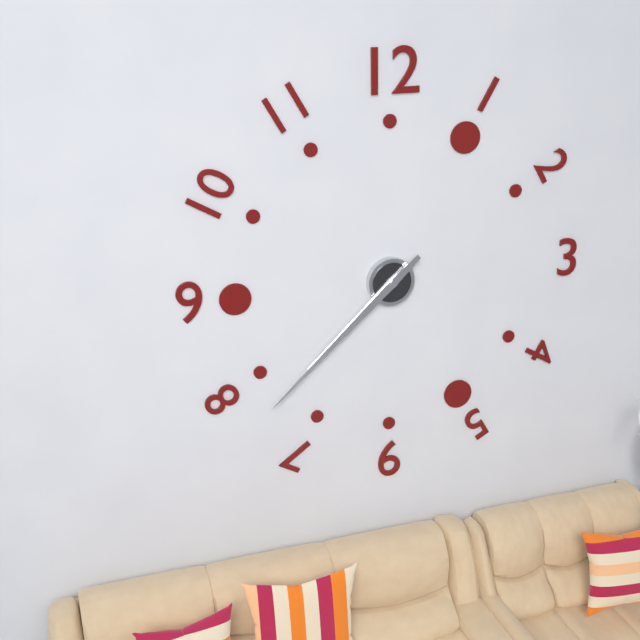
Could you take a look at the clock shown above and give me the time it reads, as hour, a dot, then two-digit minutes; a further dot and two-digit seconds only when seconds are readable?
7.38
